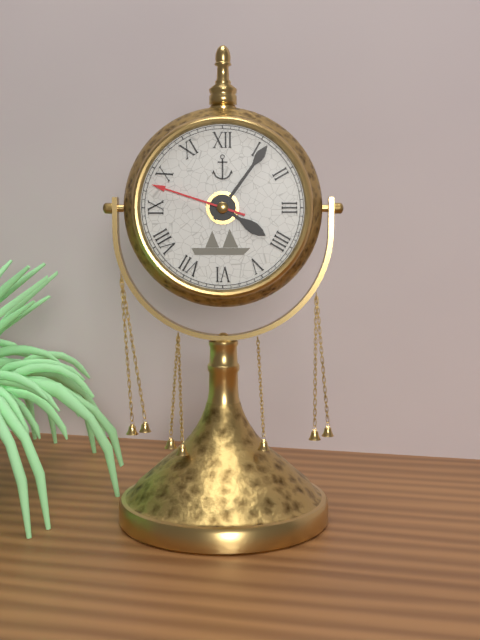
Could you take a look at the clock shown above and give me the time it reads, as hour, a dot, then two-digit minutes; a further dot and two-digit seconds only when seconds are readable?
4.06.48
